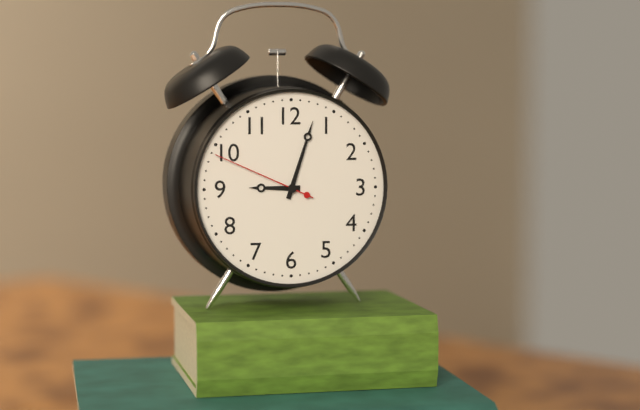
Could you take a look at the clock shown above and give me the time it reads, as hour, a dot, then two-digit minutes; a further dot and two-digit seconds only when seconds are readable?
9.03.49
